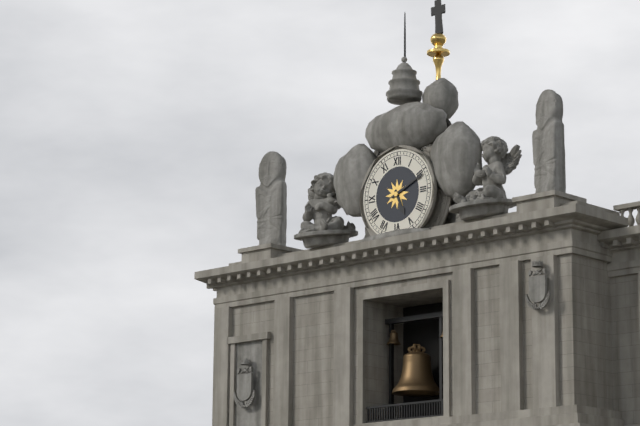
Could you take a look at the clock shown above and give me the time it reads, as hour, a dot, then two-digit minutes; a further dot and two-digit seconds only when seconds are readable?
5.11
